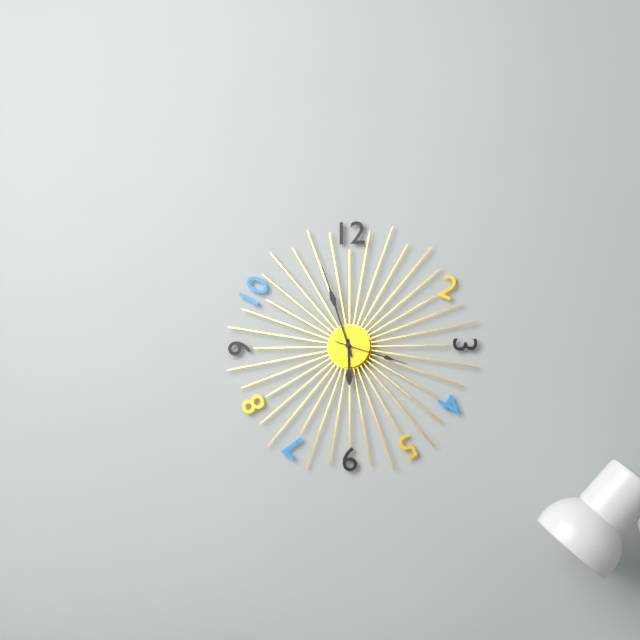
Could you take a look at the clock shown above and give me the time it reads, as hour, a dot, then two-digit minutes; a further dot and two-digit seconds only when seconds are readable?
5.57.18
